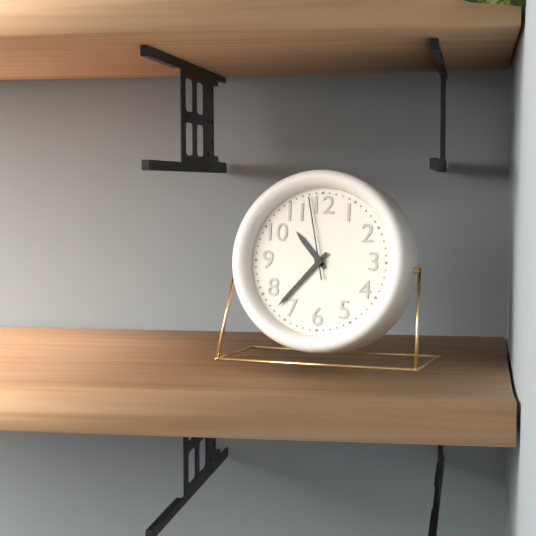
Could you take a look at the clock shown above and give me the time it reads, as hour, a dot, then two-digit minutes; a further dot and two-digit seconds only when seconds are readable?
10.37.58
